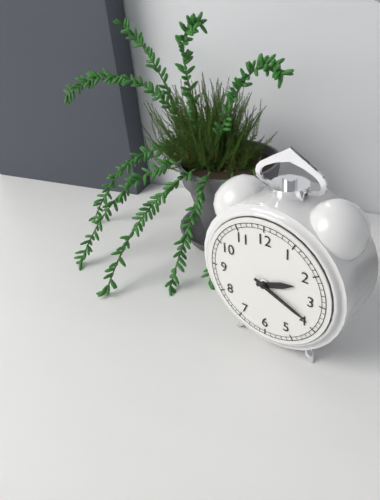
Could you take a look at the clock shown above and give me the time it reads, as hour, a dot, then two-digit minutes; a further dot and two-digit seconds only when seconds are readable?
2.19
